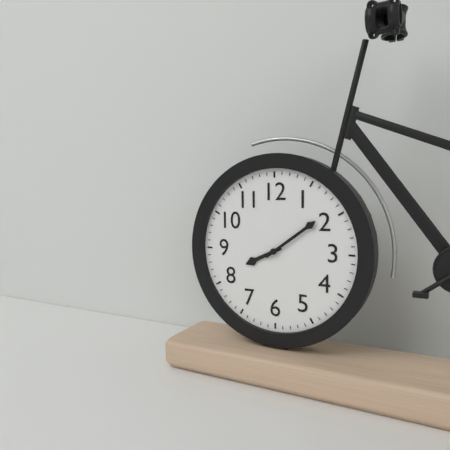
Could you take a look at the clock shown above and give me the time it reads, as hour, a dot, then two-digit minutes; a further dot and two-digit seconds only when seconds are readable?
8.09
